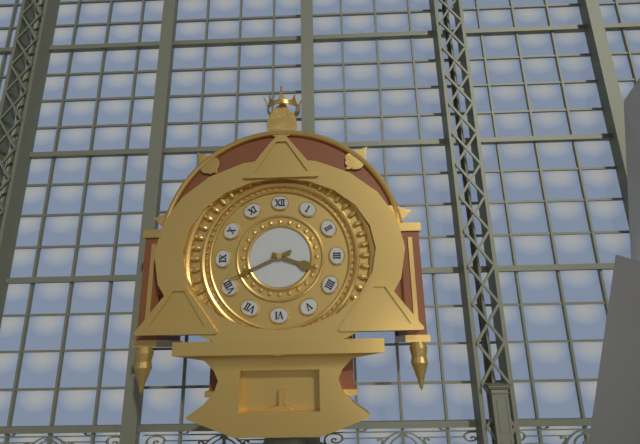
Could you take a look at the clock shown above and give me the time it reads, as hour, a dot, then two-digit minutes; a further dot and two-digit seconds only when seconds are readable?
3.41
